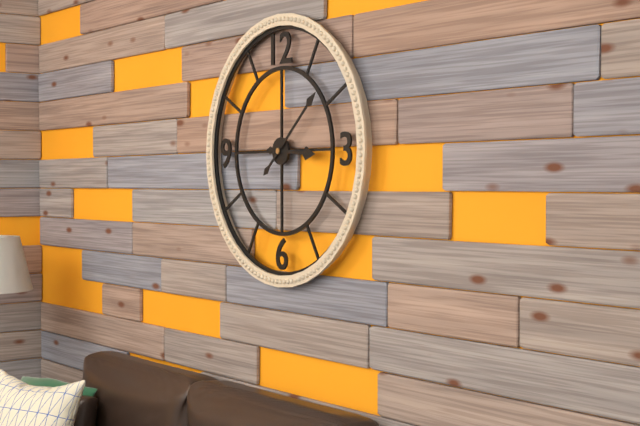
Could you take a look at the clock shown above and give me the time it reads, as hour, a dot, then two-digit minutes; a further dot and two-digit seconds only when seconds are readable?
3.08
